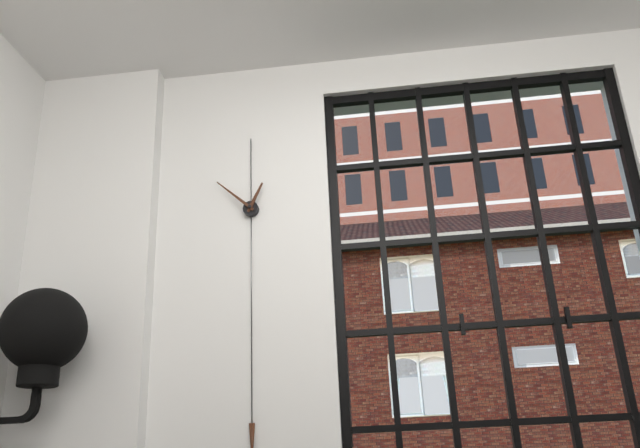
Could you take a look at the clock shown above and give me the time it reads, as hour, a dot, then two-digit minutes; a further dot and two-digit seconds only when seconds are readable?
12.52
